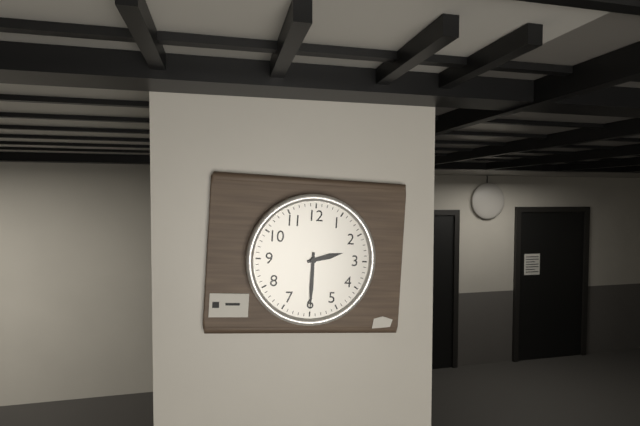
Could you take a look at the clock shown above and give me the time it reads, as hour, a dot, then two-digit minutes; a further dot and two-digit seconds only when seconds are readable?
2.30
